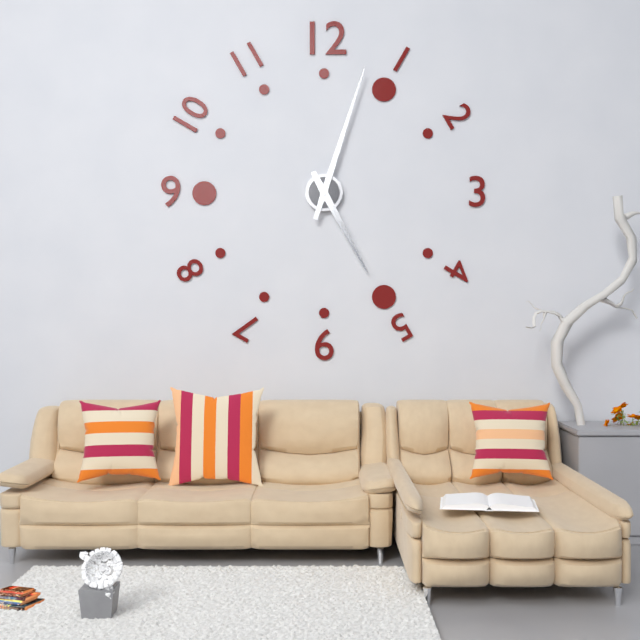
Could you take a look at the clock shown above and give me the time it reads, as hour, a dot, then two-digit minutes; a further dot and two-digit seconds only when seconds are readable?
5.03
